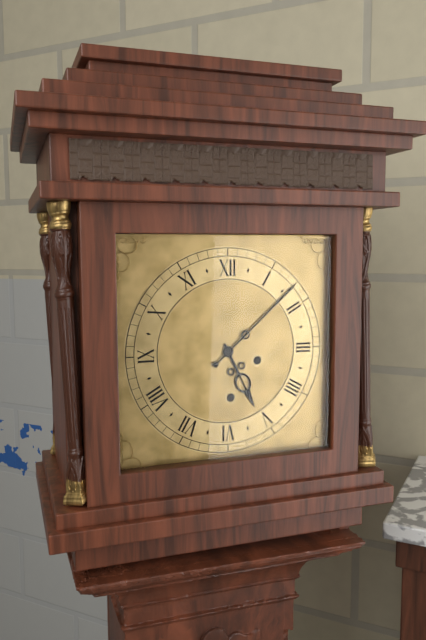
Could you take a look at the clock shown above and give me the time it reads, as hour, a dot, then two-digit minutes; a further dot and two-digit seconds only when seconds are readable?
5.08
